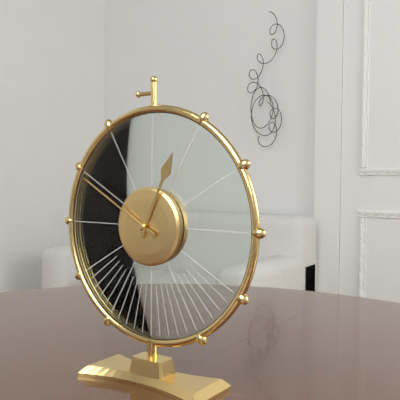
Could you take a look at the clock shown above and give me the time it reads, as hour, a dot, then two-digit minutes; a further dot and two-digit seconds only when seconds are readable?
12.50
